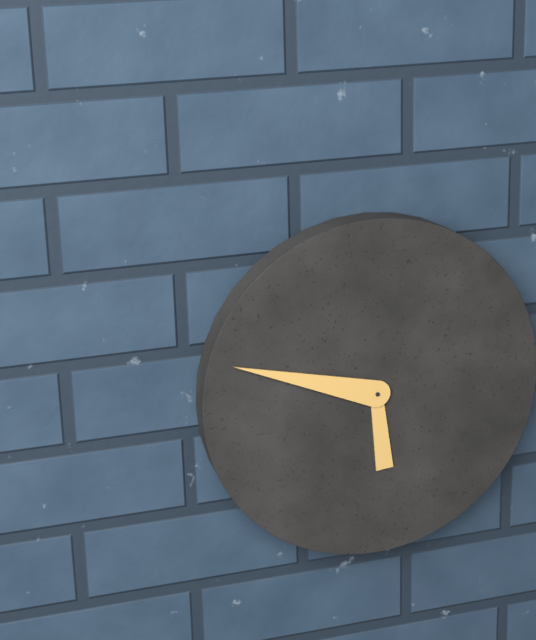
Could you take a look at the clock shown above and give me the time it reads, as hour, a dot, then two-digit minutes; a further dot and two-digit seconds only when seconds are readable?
5.48
